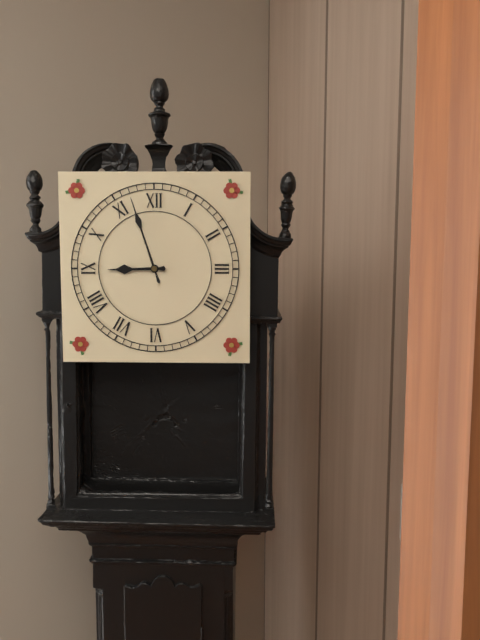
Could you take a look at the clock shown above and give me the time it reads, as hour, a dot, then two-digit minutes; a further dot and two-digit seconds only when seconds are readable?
8.57
